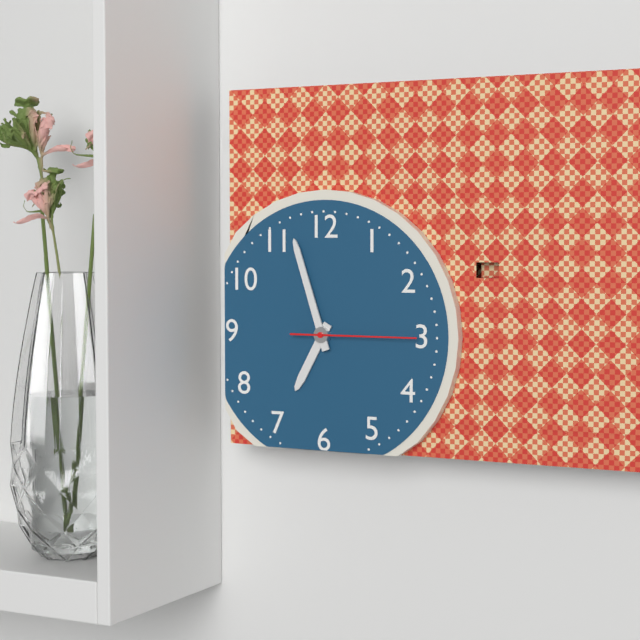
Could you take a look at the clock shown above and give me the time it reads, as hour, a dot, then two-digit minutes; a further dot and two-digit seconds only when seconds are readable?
6.57.15
